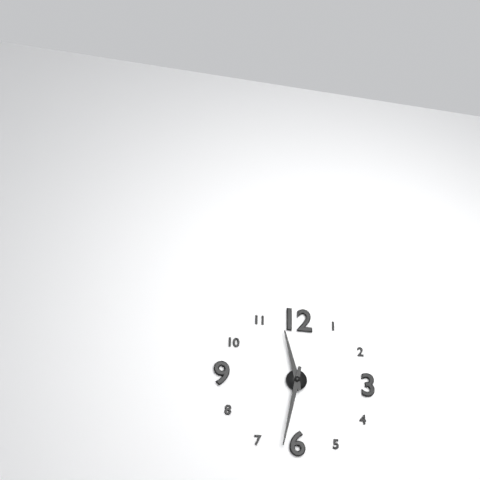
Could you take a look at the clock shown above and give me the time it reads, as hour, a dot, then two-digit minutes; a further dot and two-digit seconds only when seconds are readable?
11.32
